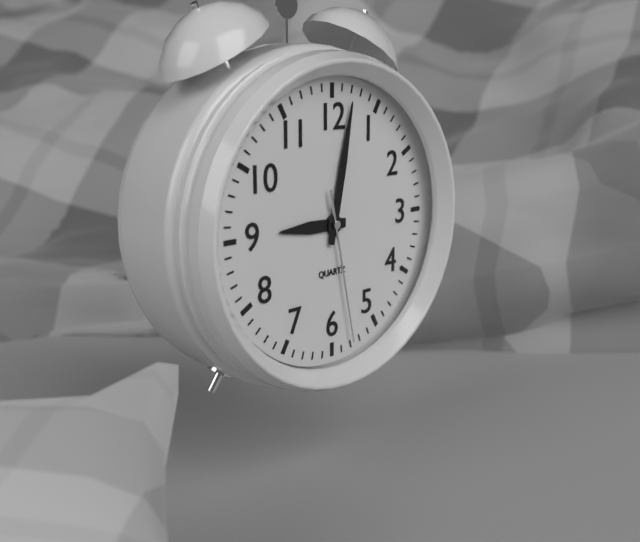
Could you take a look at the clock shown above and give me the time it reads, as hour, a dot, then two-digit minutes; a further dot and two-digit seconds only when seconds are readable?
9.02.28
